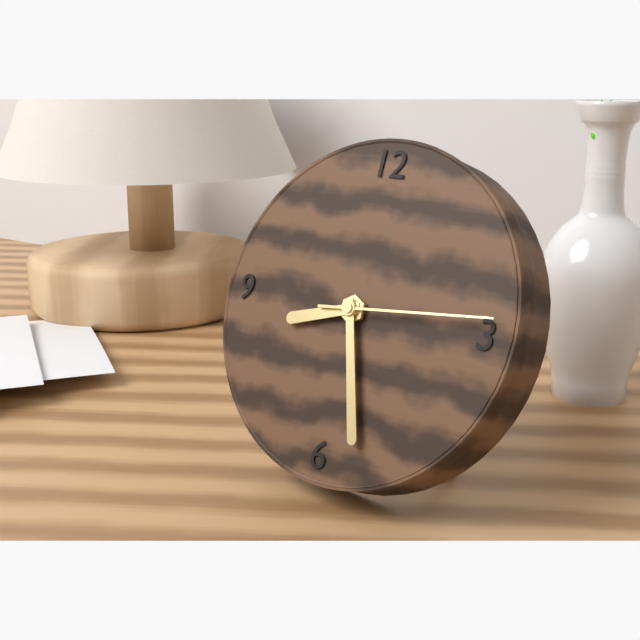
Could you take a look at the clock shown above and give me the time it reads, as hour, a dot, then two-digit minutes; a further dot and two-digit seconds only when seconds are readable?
8.27.14
